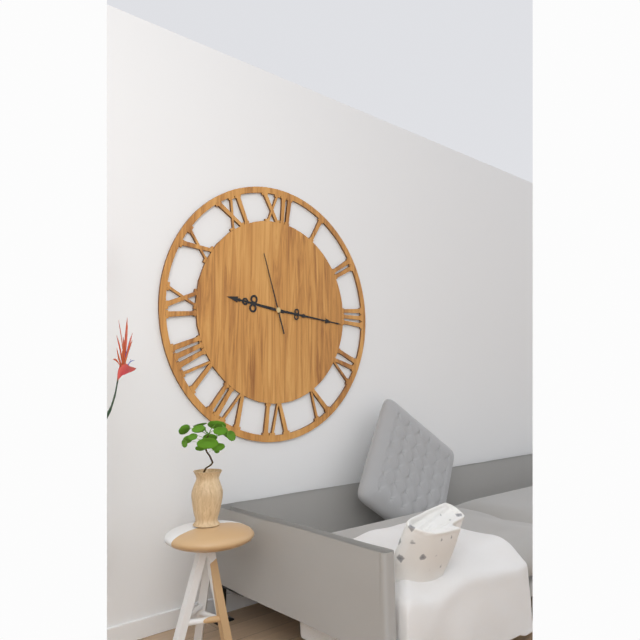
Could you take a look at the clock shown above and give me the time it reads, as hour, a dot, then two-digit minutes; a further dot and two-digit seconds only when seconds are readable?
9.16.57
